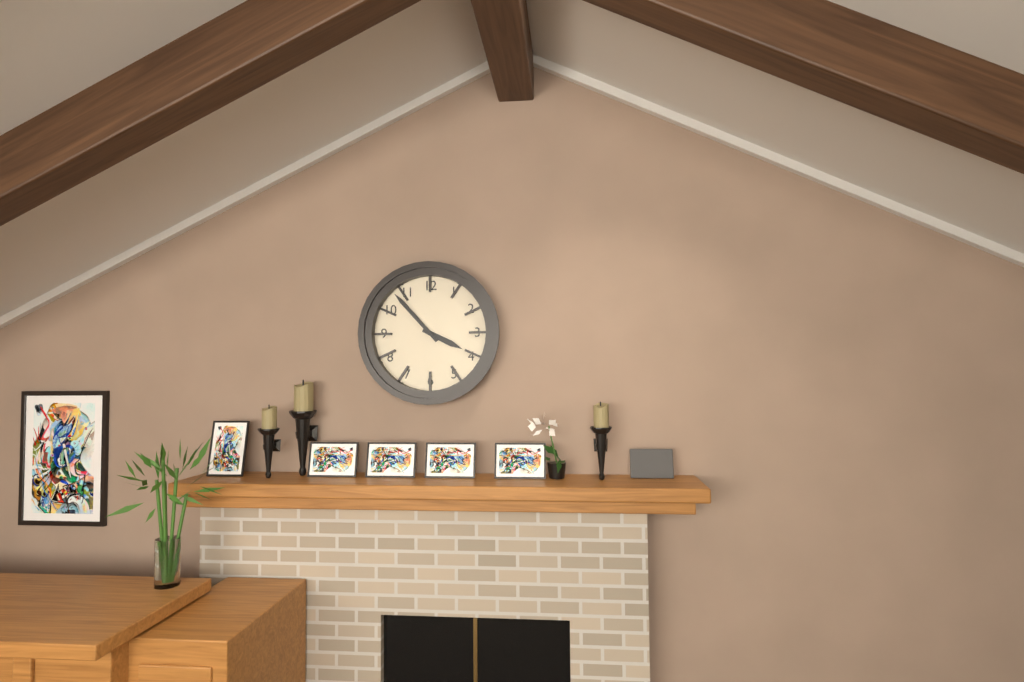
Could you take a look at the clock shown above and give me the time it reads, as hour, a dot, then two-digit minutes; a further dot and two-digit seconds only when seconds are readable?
3.53
